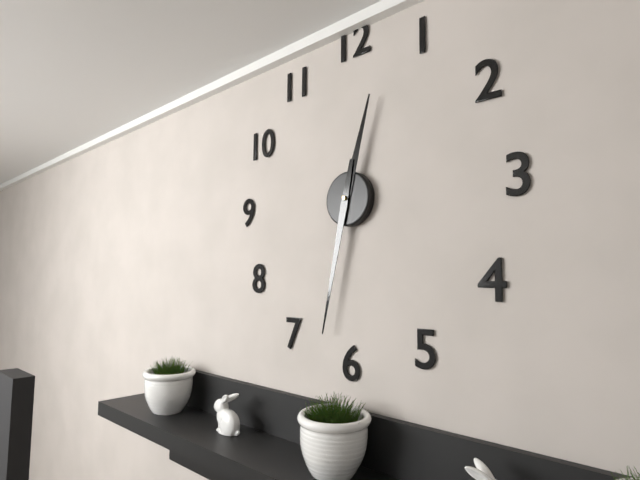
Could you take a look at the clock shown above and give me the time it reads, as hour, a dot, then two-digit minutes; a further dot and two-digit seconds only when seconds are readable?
12.32
